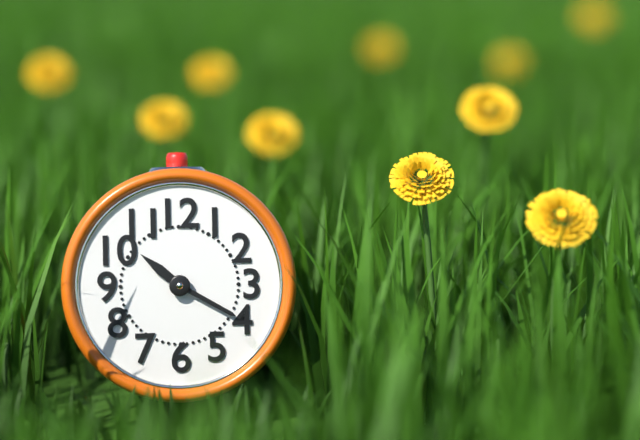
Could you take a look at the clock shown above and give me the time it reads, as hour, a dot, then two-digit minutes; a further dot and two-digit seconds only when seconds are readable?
10.20
